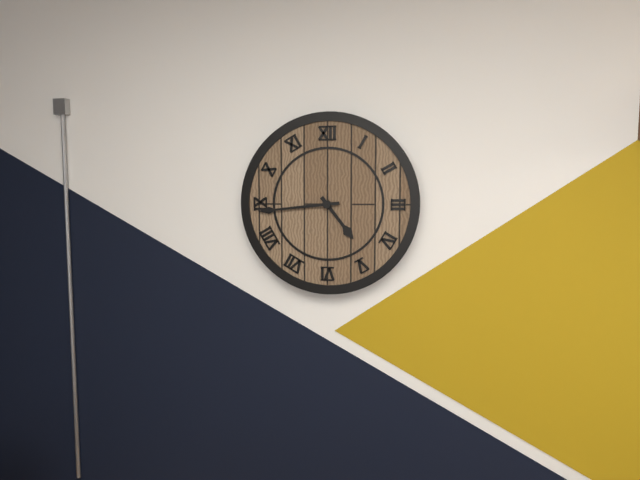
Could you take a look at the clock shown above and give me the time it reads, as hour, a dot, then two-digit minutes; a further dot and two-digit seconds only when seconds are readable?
4.44
